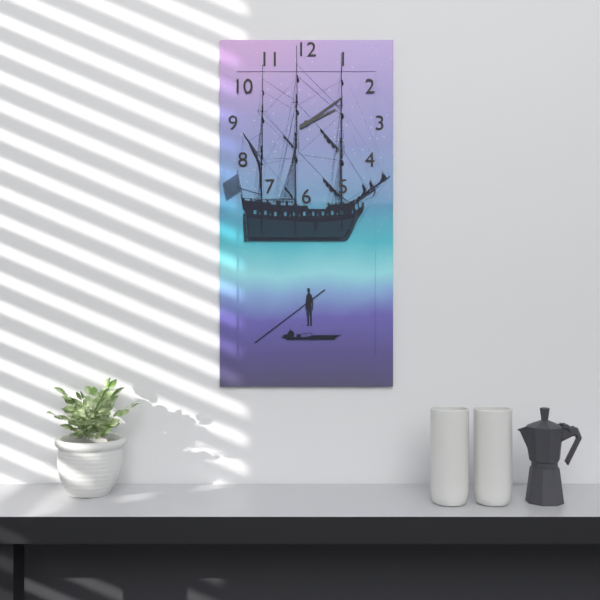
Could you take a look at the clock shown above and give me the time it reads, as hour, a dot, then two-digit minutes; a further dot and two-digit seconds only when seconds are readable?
2.09
